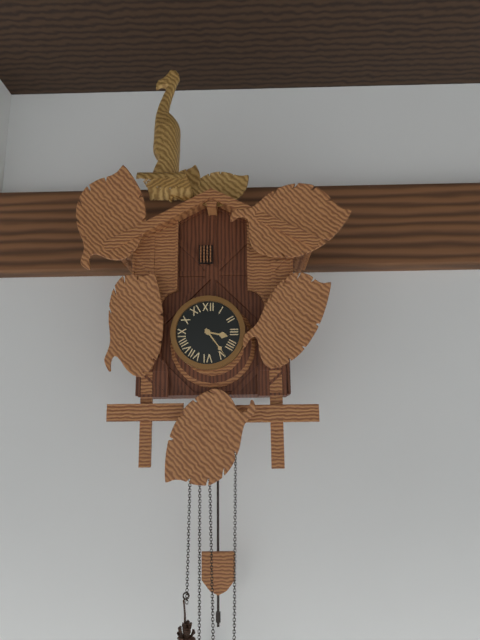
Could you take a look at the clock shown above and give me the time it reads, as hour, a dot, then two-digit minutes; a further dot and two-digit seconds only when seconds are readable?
3.24
